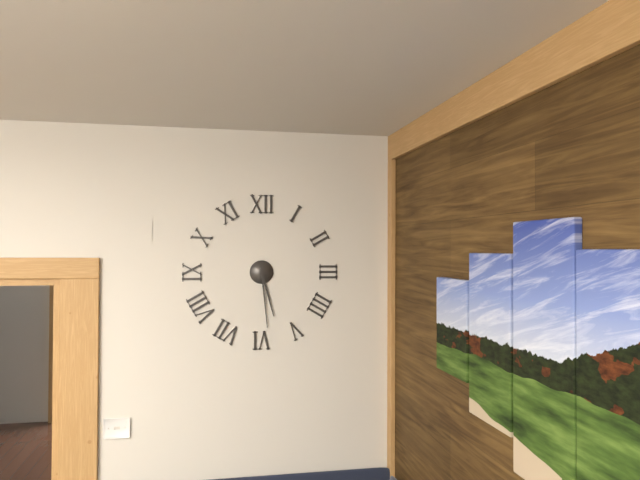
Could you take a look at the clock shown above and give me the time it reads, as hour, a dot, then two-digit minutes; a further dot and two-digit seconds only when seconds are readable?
5.29
